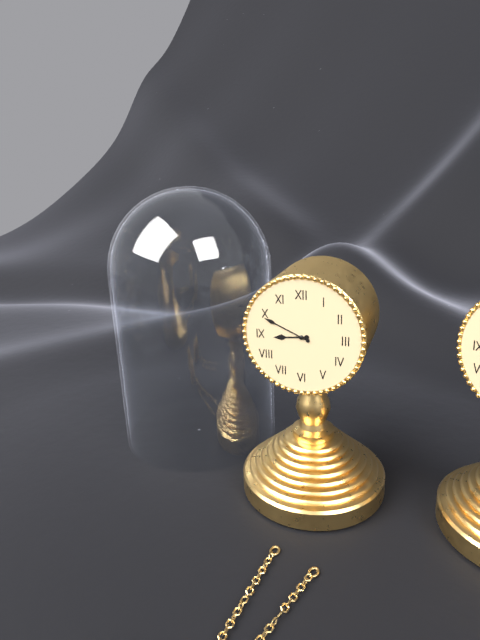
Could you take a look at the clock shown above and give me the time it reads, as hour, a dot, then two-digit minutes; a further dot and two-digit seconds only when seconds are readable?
8.49
